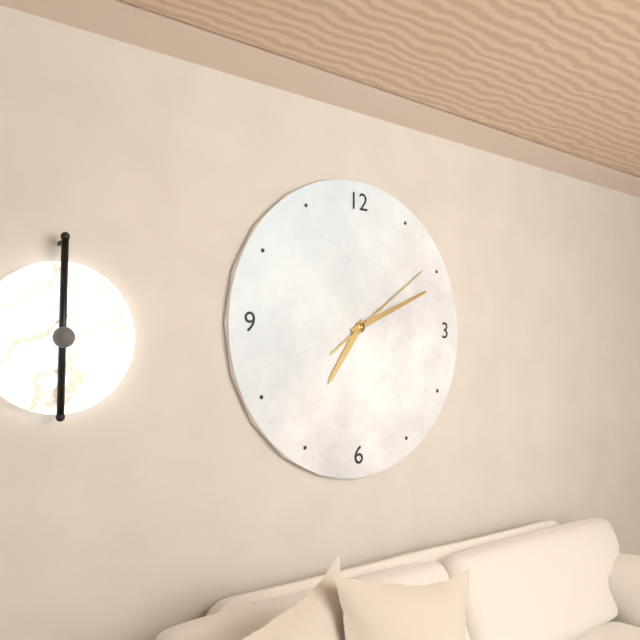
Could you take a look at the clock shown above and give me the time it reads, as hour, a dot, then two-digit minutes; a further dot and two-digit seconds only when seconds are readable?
7.11.09
